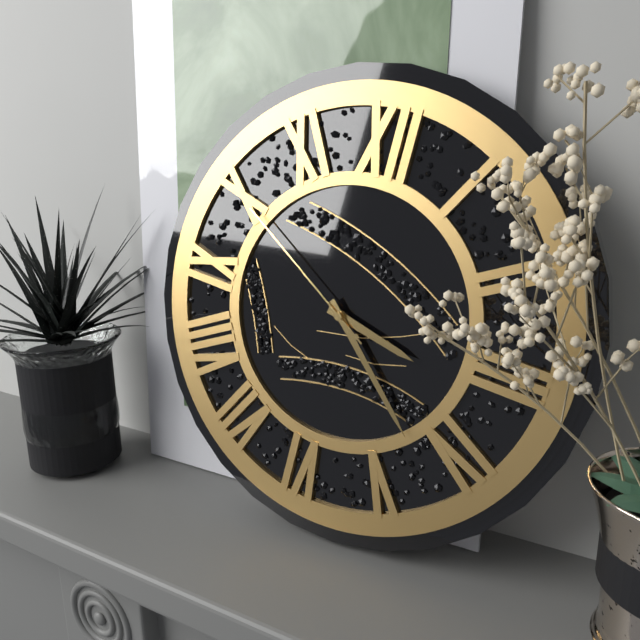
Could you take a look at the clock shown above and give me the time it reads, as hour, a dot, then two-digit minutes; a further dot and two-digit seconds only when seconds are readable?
3.22.50
